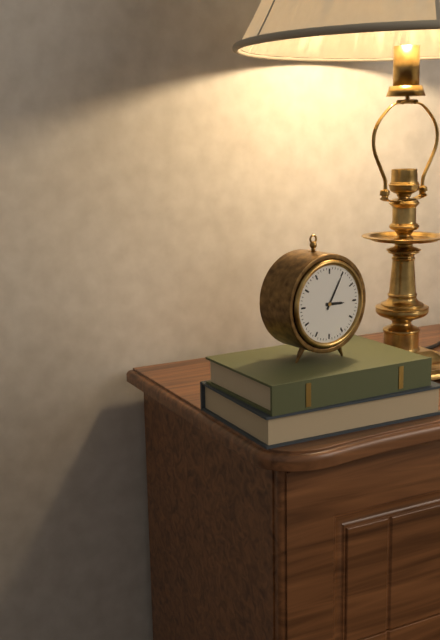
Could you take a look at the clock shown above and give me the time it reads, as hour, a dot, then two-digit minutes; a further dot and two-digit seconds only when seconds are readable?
3.05
